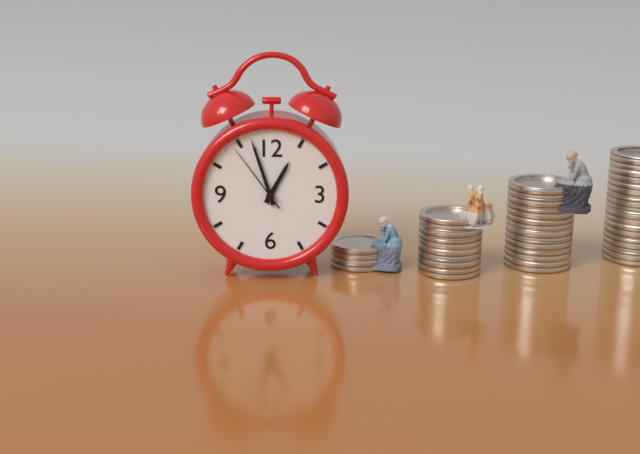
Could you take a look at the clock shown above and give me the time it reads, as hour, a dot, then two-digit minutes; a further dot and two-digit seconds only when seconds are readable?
12.57.54
